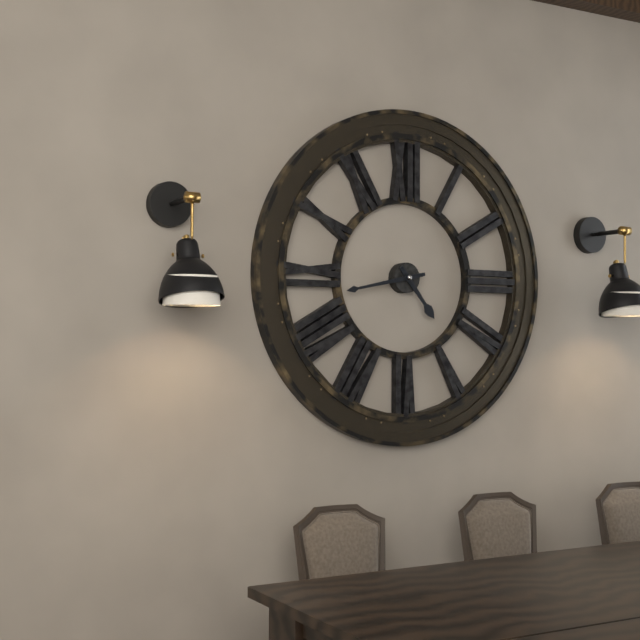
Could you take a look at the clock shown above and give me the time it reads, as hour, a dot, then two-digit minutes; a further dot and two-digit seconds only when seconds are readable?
4.43
